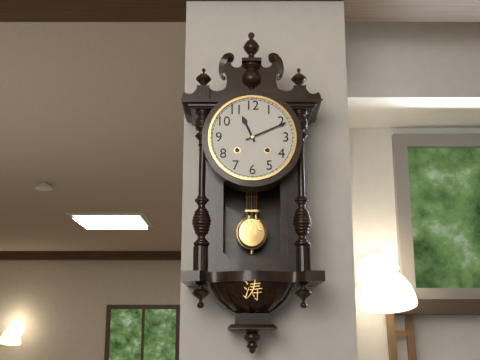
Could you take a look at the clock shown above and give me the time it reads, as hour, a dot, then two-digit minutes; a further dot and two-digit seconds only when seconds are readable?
11.11
